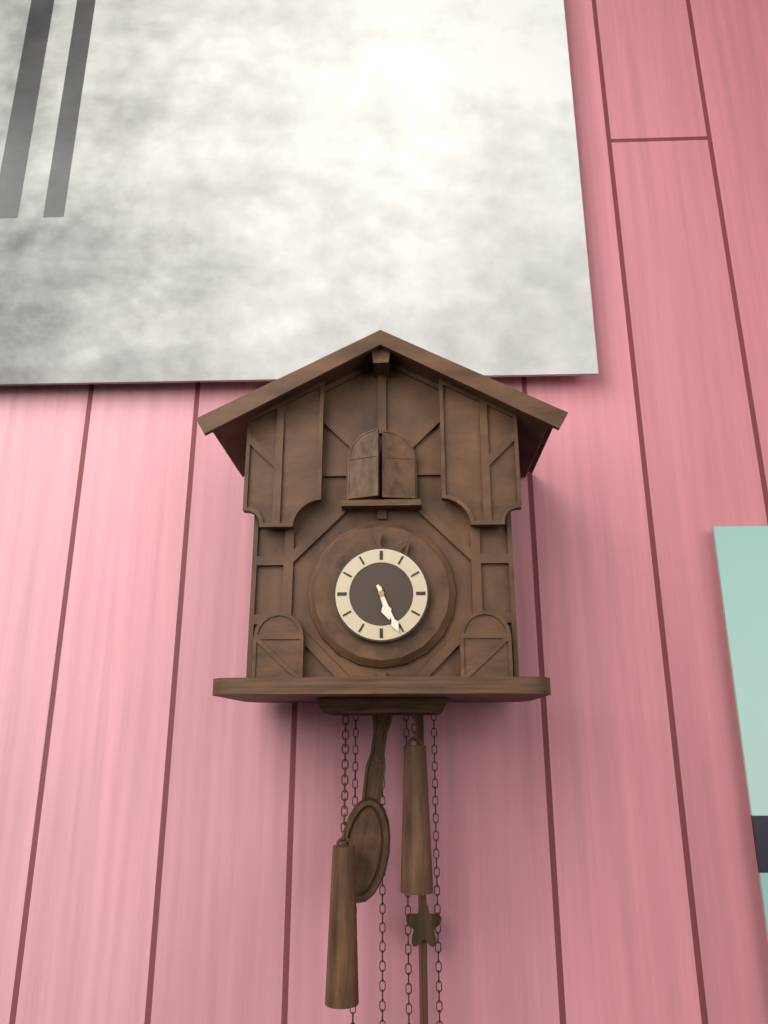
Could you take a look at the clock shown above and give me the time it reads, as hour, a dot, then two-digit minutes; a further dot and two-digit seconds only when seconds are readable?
5.26
